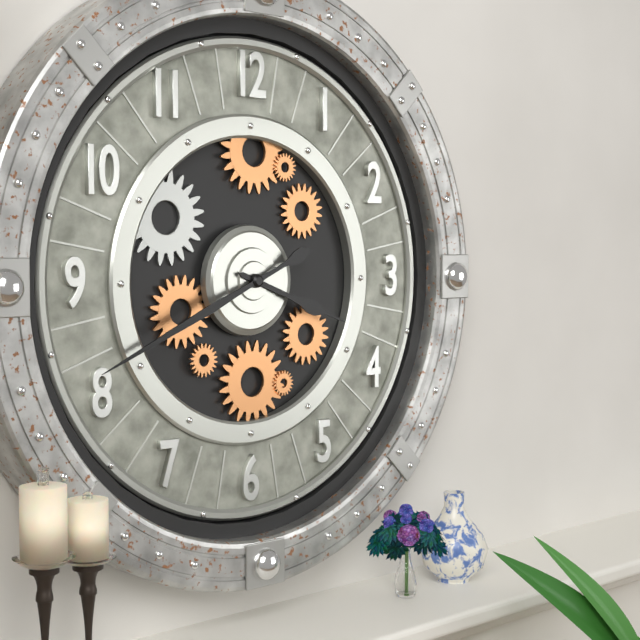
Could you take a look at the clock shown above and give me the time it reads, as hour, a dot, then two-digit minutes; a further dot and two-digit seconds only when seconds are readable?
3.41
